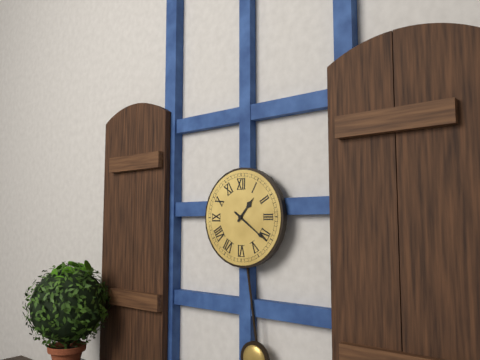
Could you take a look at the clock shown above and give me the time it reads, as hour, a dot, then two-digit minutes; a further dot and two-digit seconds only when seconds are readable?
1.21
